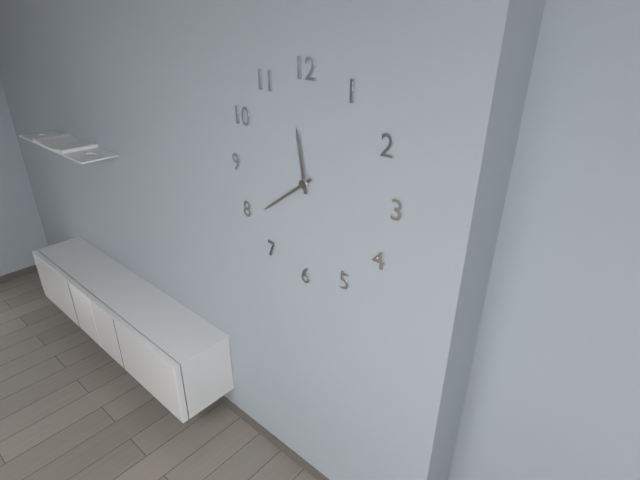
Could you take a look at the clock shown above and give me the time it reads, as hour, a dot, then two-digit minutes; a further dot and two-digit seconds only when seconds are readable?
11.39
